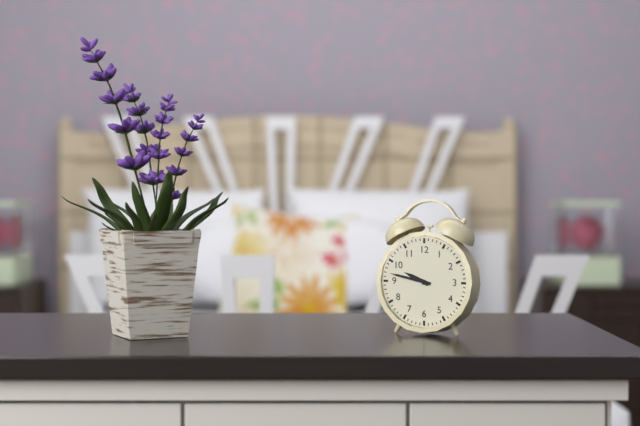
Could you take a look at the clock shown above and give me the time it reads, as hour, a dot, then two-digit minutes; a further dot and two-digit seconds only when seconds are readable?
9.47
